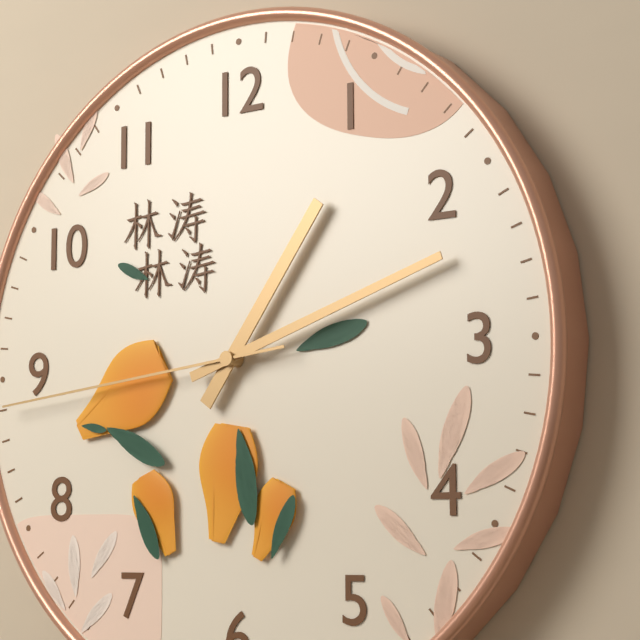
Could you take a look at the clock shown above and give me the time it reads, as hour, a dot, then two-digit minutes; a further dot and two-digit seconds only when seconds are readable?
1.12.44
